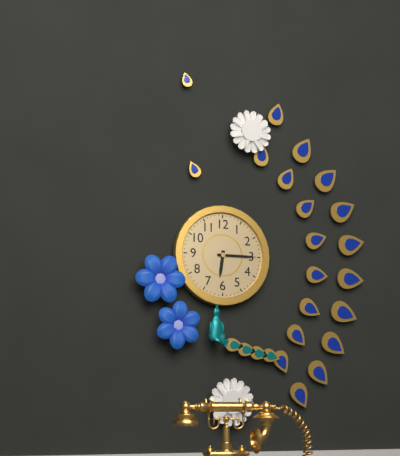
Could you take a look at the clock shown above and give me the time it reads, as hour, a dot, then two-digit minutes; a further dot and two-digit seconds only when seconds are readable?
6.15
